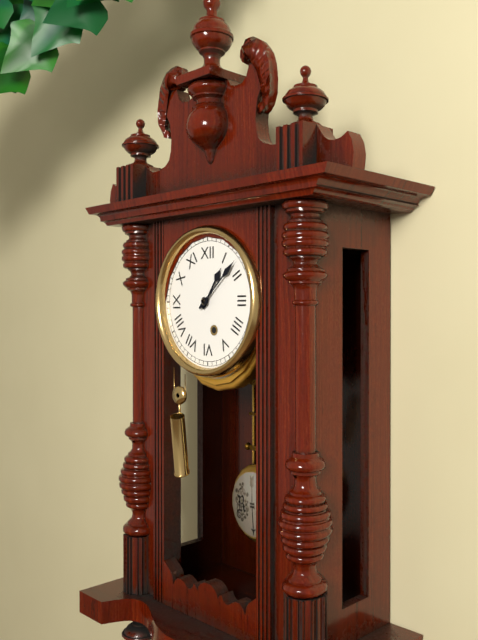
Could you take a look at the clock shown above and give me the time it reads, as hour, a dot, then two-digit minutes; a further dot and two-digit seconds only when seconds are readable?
1.08
